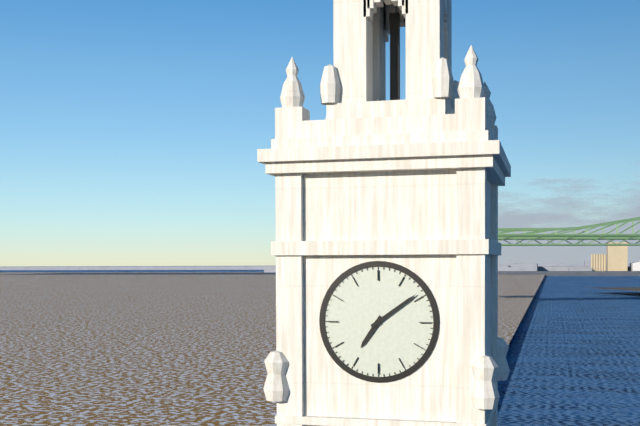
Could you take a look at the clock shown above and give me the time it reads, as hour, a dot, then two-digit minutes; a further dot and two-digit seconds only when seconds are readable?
7.09
